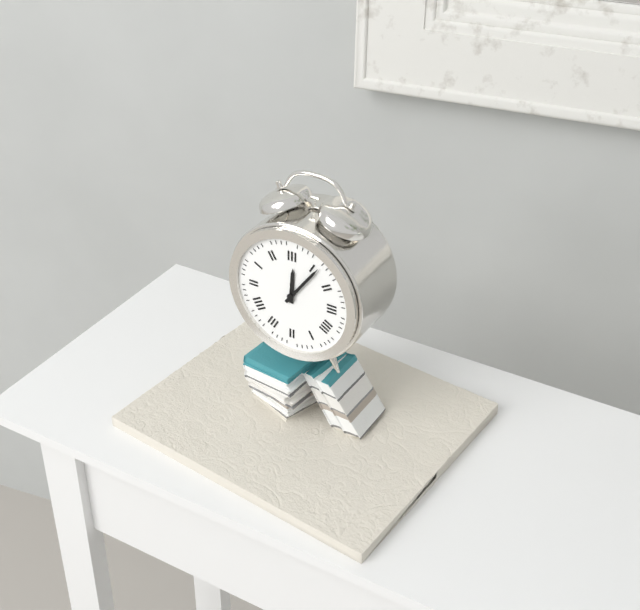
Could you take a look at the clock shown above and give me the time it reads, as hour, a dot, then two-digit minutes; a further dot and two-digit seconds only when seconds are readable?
12.06
